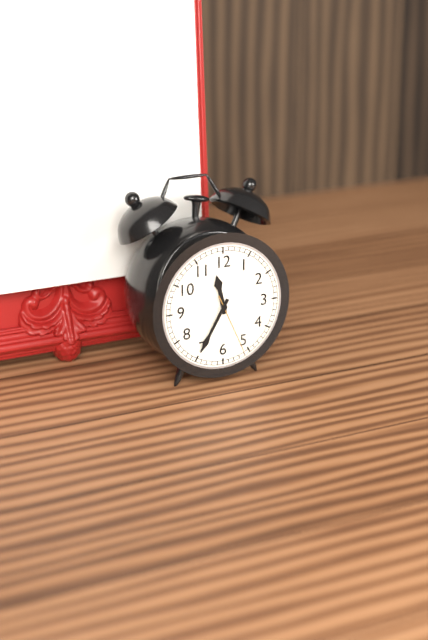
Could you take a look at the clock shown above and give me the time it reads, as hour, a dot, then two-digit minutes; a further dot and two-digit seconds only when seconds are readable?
11.35.26
